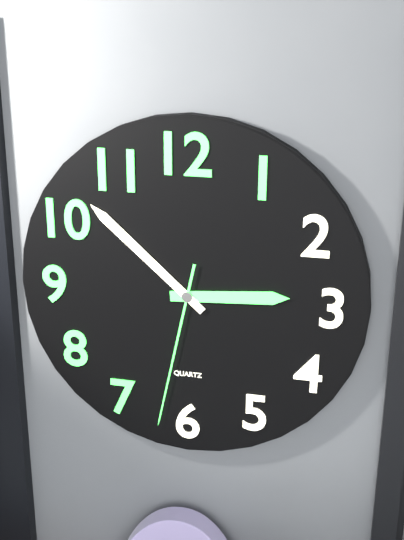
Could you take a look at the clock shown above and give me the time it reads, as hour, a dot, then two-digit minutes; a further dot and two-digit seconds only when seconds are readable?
2.52.32
